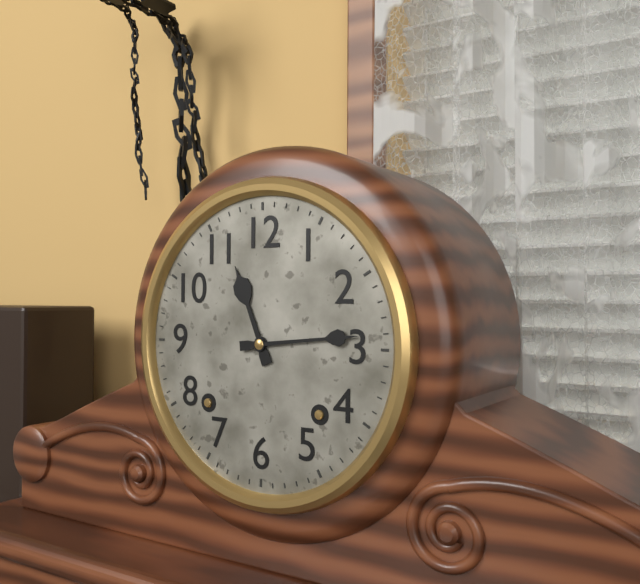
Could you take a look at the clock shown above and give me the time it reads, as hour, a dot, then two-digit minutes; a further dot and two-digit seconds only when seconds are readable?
11.14
